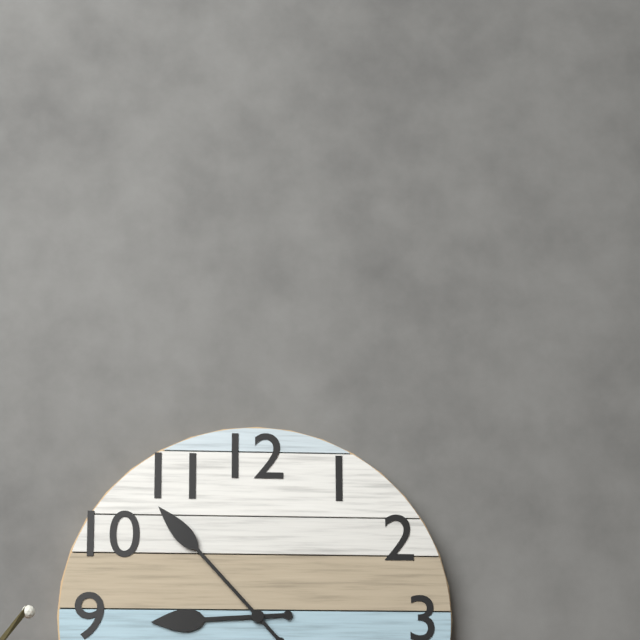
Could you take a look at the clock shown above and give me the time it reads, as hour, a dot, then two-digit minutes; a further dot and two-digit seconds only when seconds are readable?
8.53
